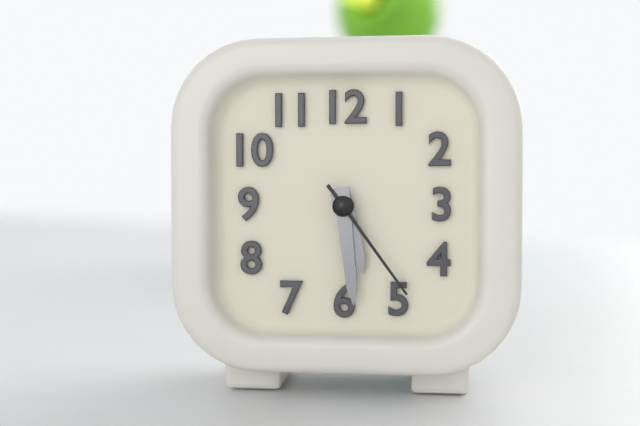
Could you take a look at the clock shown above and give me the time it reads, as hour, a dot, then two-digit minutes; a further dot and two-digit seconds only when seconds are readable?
5.29.24
